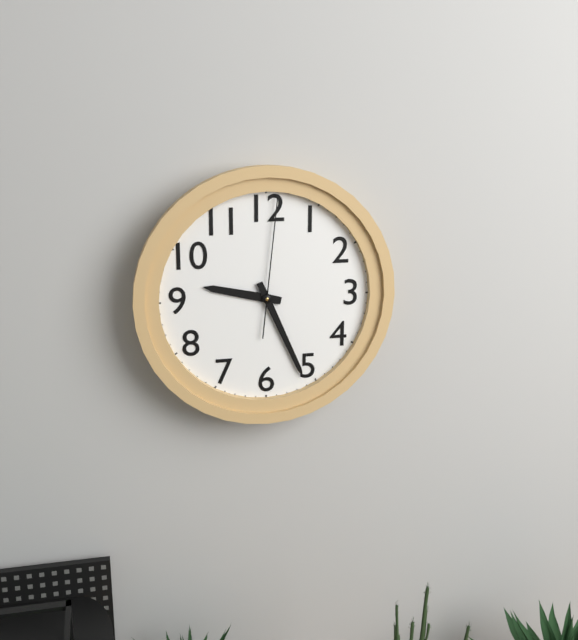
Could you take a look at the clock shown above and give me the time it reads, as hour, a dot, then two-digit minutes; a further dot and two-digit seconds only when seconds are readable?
9.26.01
